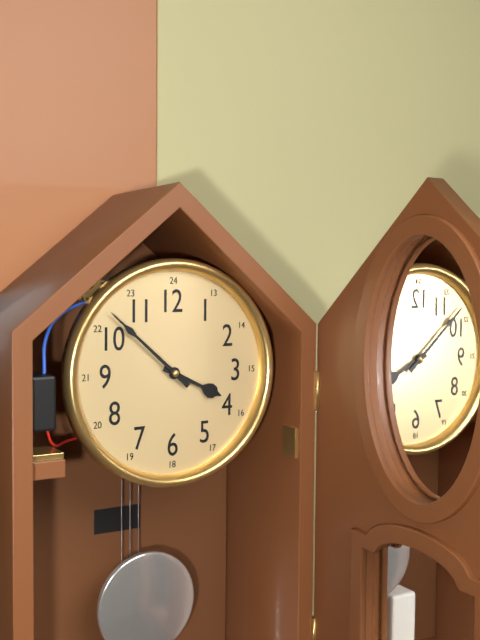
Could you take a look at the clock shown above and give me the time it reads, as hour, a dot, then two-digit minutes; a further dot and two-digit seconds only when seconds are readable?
3.52
